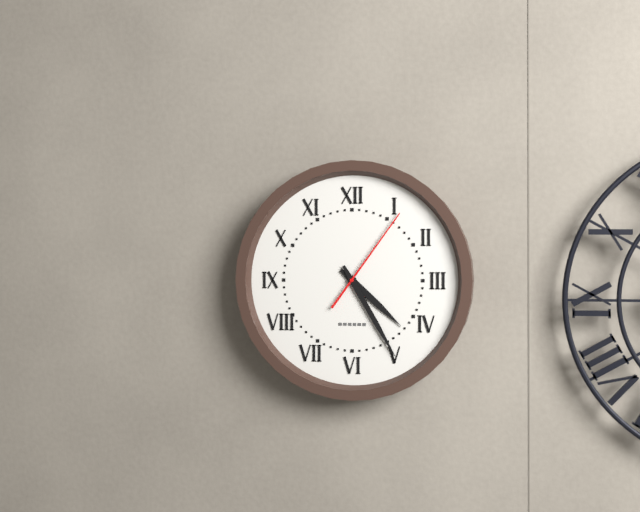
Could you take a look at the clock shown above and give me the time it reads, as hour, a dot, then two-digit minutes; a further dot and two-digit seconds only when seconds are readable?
4.25.06
